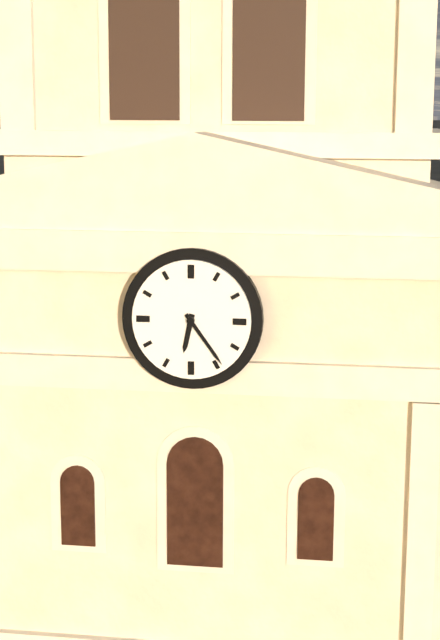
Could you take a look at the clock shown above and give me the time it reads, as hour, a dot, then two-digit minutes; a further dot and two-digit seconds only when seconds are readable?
6.24
